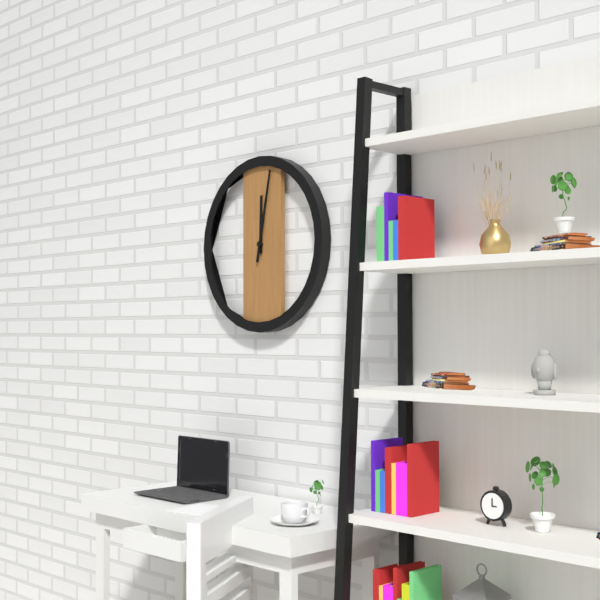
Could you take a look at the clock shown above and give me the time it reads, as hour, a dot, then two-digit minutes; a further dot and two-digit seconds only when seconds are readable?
12.02
